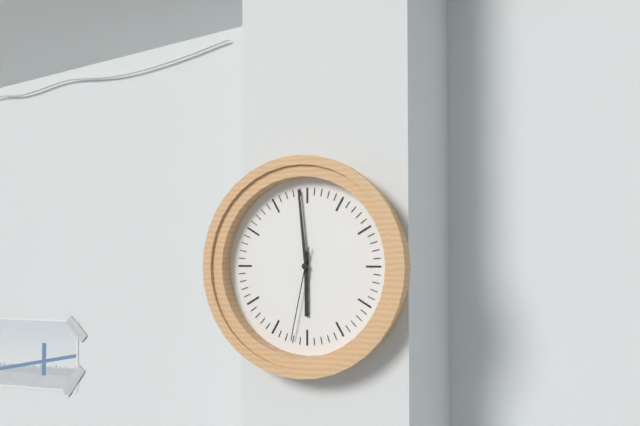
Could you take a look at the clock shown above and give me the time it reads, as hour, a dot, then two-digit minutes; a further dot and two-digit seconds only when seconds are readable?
5.59.32
